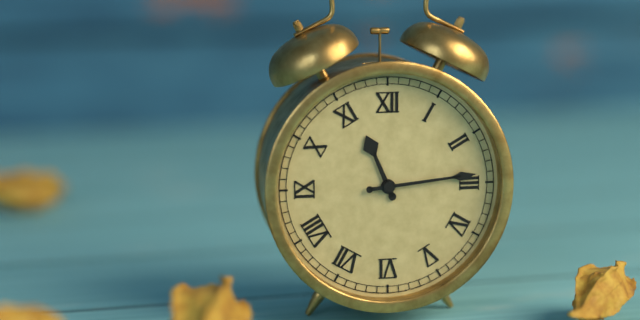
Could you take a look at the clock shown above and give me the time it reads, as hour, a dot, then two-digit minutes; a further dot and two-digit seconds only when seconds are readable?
11.14
